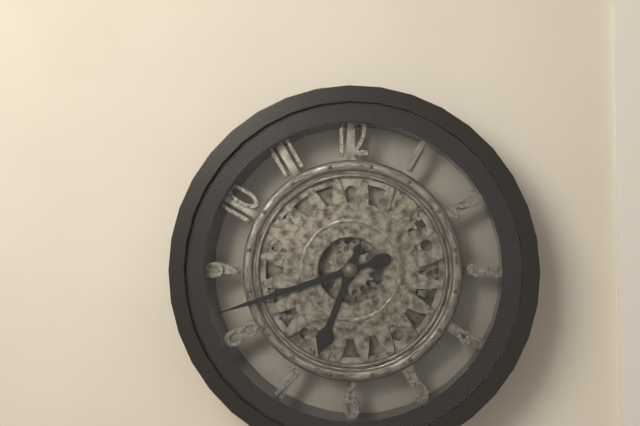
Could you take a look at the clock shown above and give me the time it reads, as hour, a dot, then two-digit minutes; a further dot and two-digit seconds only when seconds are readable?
6.42
